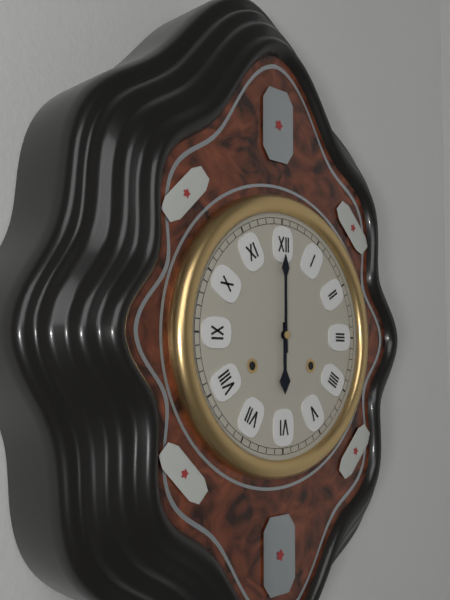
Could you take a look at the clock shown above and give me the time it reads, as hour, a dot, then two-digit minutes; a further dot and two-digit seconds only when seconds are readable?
6.00
